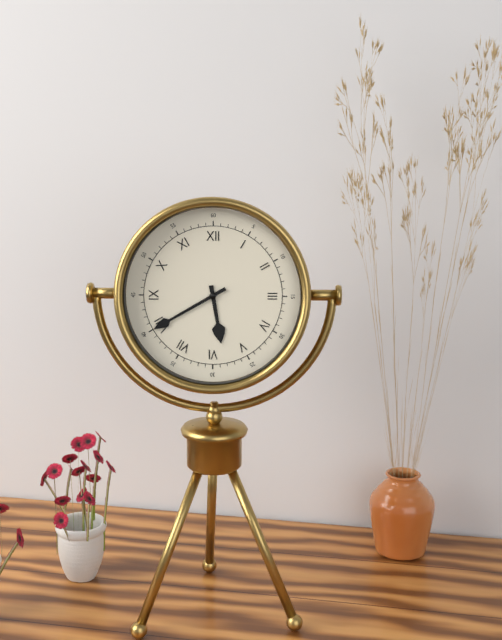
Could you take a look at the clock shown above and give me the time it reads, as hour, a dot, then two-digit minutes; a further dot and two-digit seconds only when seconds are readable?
5.40
